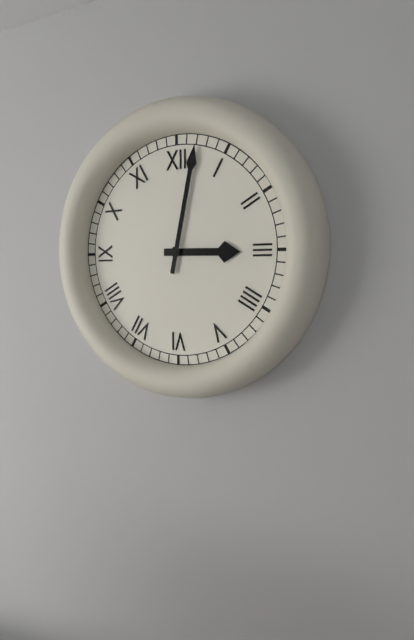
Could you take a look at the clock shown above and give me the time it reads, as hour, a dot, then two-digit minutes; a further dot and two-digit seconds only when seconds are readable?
3.02
